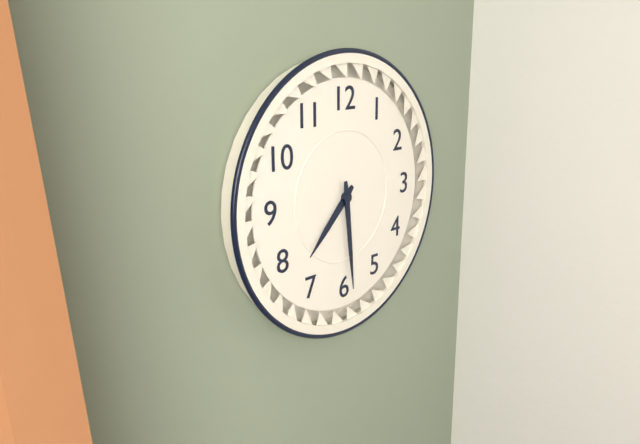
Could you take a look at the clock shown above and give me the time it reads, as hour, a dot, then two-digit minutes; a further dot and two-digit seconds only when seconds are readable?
7.29
